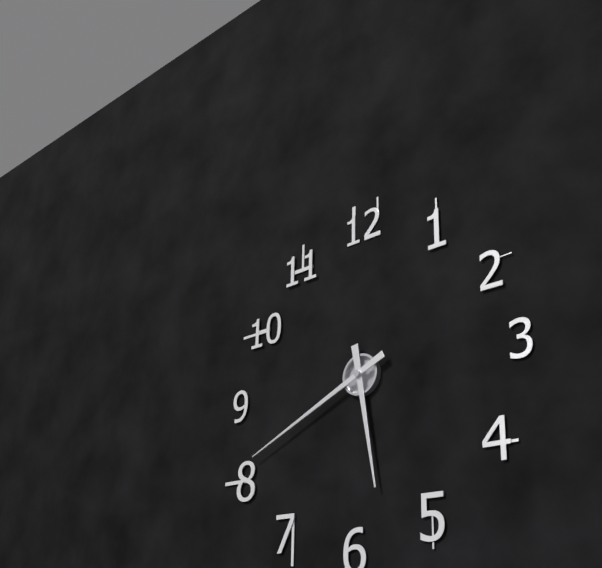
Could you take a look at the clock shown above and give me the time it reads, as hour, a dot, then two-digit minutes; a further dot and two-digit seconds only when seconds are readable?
5.41
